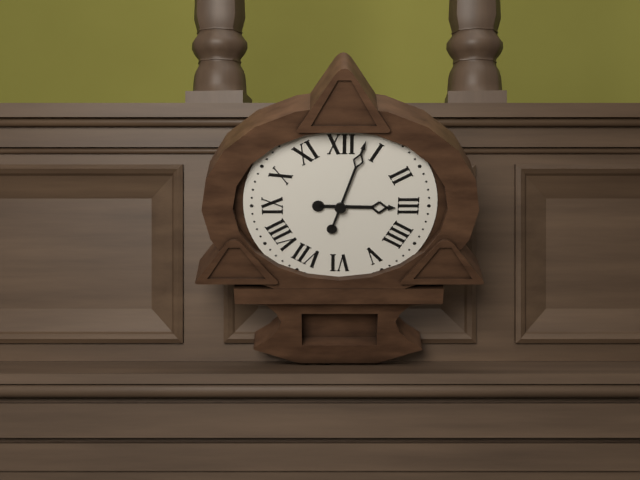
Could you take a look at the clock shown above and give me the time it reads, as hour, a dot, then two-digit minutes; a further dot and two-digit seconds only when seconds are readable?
3.03
